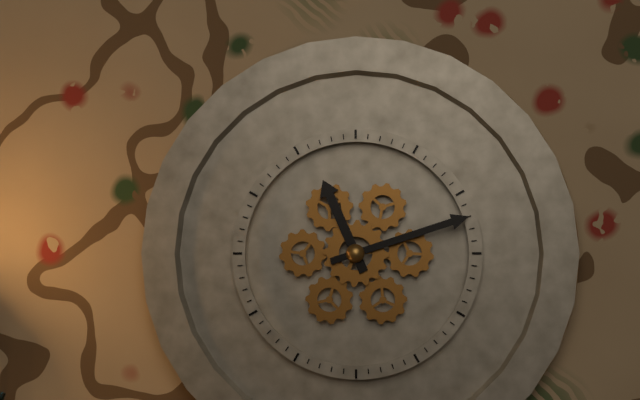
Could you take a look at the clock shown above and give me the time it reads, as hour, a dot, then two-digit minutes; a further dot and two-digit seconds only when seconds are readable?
11.12
